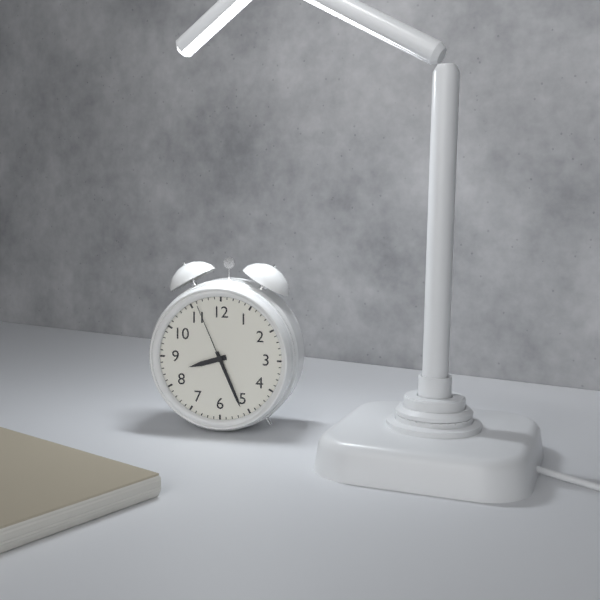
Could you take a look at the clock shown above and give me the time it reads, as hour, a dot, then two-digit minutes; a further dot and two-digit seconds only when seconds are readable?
8.26.56
